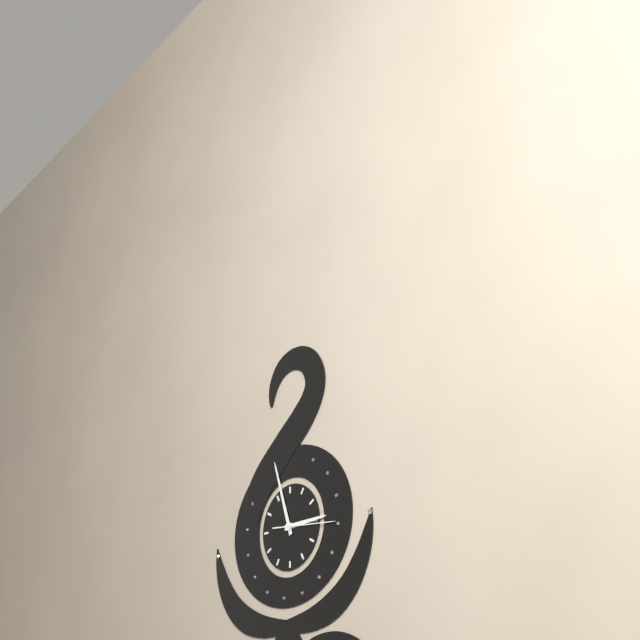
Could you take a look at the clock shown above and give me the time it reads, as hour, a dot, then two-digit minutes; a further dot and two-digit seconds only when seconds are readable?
2.57.16
